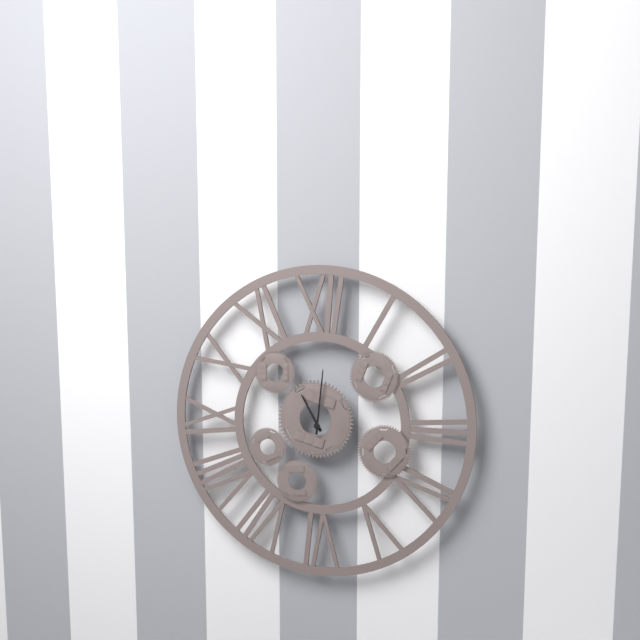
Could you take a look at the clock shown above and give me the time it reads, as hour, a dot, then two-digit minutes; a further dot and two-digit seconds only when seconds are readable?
11.01
